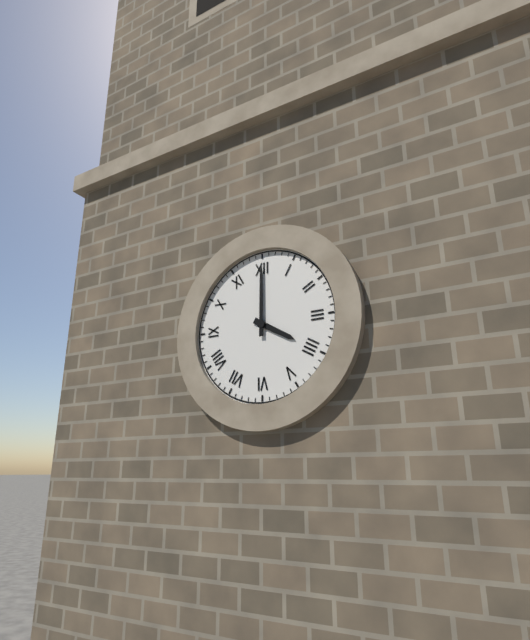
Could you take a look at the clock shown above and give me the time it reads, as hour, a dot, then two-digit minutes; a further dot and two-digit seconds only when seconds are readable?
4.00
